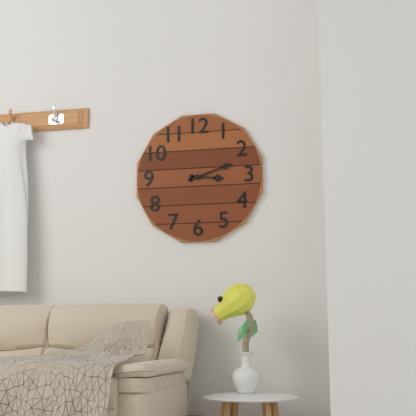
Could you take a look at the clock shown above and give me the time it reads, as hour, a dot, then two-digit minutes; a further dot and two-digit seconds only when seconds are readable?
3.12
